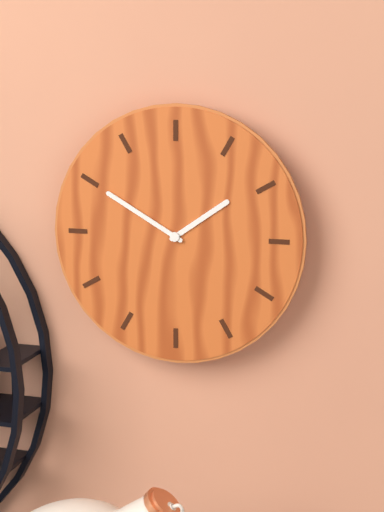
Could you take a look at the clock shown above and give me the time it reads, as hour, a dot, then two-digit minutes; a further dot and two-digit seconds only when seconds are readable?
1.50
